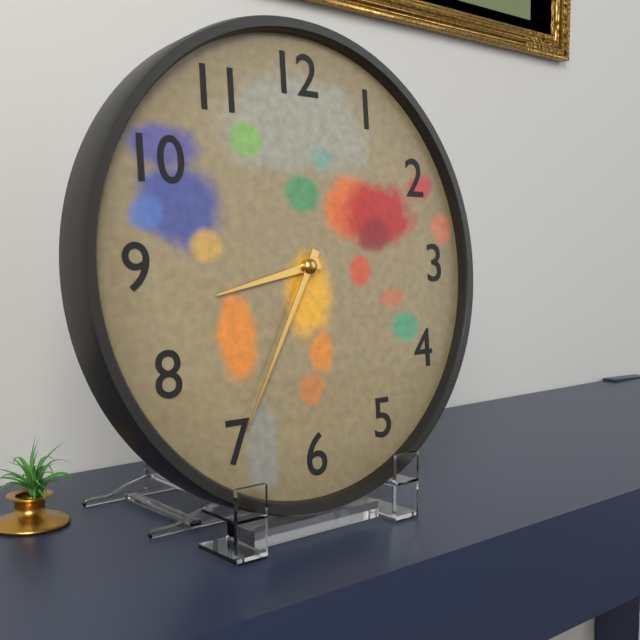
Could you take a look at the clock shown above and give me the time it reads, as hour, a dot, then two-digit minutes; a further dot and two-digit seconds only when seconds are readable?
8.35
